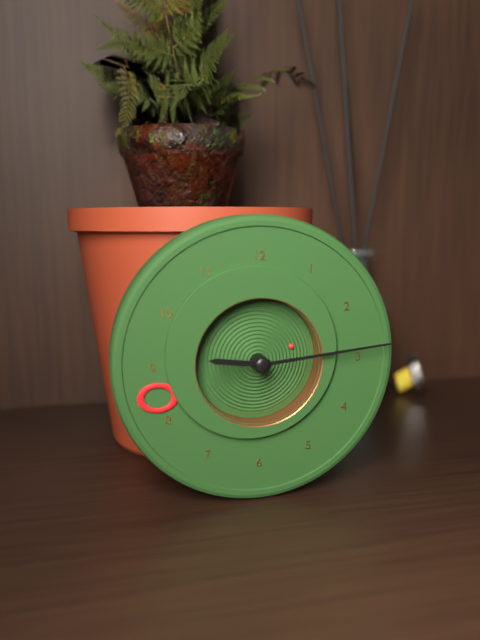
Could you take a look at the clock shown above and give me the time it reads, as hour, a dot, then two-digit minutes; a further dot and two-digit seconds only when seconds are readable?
9.14.12
